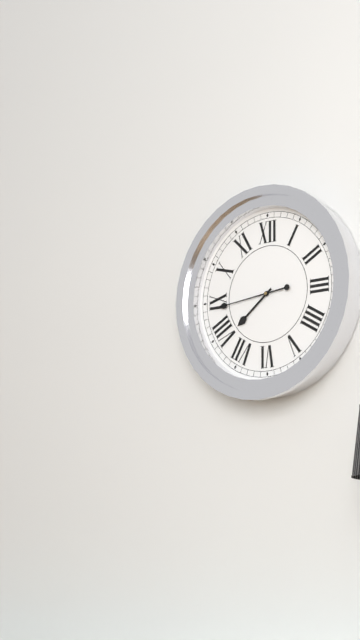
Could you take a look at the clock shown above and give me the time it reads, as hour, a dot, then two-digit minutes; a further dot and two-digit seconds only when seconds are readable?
7.44
